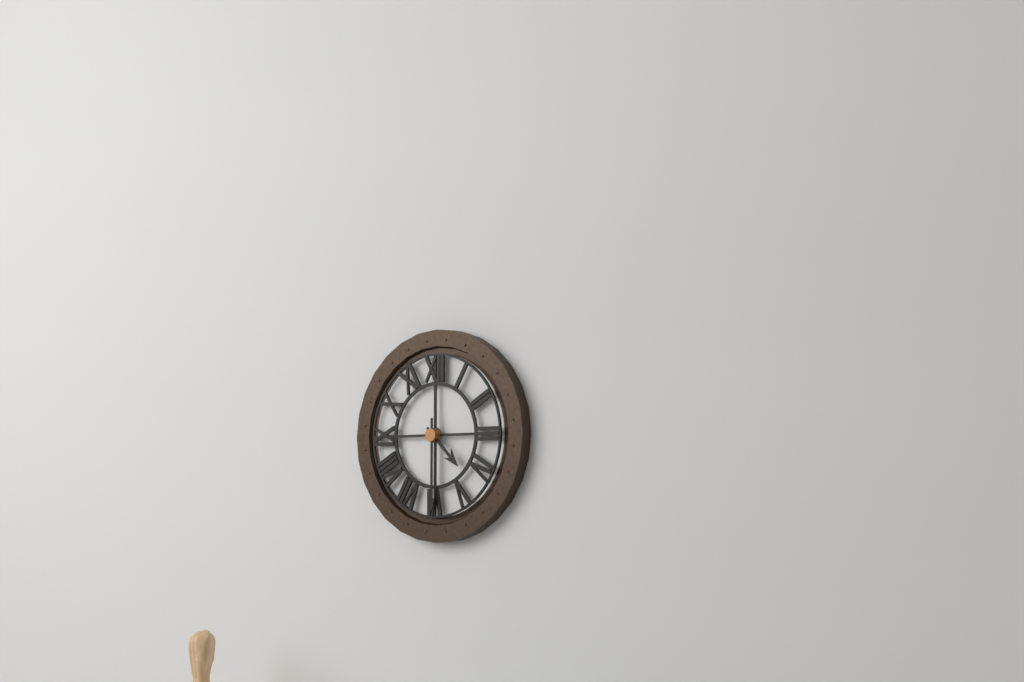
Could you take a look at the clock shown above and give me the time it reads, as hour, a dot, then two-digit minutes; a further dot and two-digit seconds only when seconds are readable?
4.30
